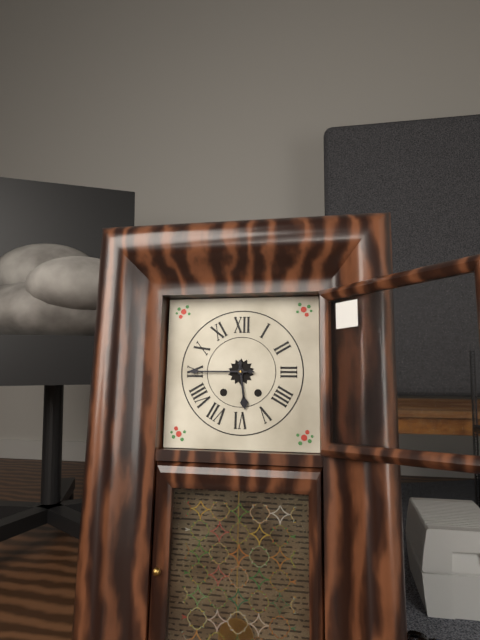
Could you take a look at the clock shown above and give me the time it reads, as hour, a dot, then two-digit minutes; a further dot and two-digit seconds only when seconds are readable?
5.45
